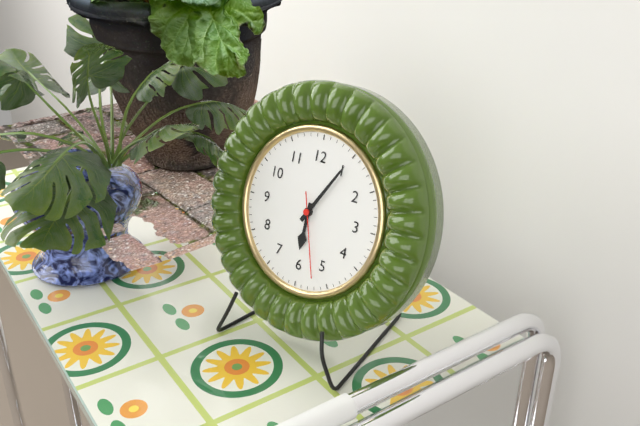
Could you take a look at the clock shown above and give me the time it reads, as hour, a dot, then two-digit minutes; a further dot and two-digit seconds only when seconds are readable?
6.05.27
